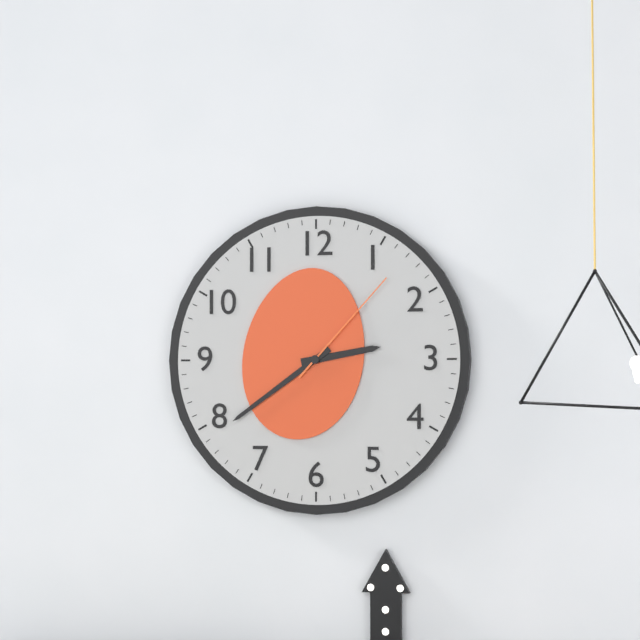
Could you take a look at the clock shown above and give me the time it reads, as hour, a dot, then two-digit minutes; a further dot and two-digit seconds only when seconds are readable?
2.39.07
